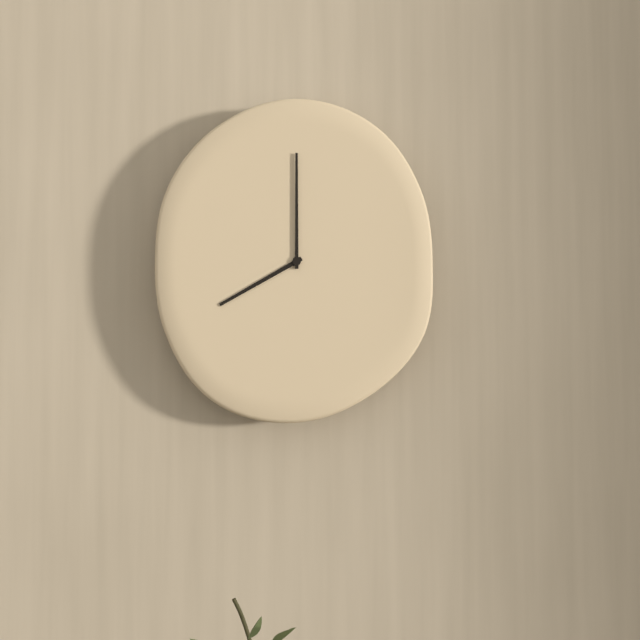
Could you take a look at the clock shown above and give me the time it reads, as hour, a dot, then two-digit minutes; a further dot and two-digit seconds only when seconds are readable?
8.00
